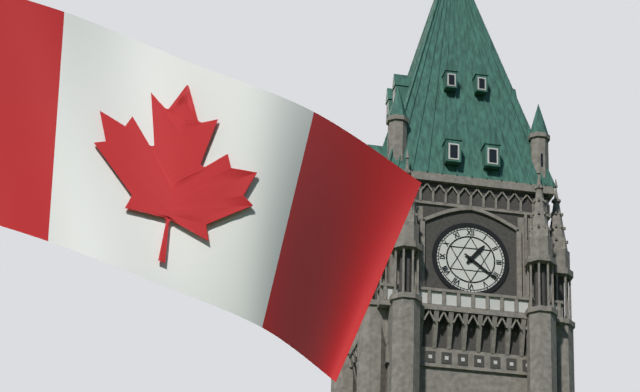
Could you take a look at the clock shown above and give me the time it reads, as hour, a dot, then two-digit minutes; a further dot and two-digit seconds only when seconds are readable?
1.21
